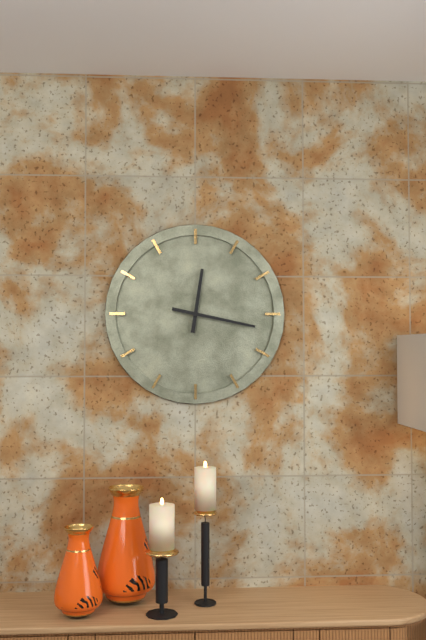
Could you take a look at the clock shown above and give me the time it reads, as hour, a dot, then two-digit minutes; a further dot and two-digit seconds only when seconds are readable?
12.17
